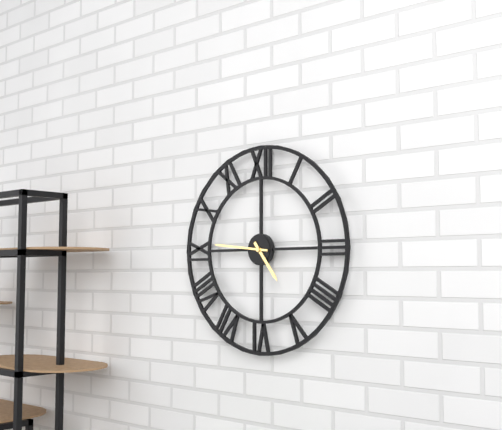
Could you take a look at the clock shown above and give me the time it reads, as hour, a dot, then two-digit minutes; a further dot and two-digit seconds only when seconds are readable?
4.46
